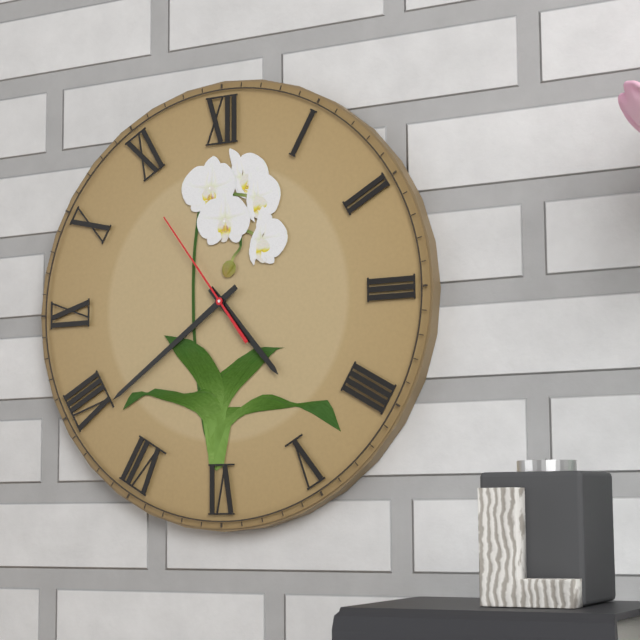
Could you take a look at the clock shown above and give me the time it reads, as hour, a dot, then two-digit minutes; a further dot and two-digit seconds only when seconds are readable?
4.39.54
